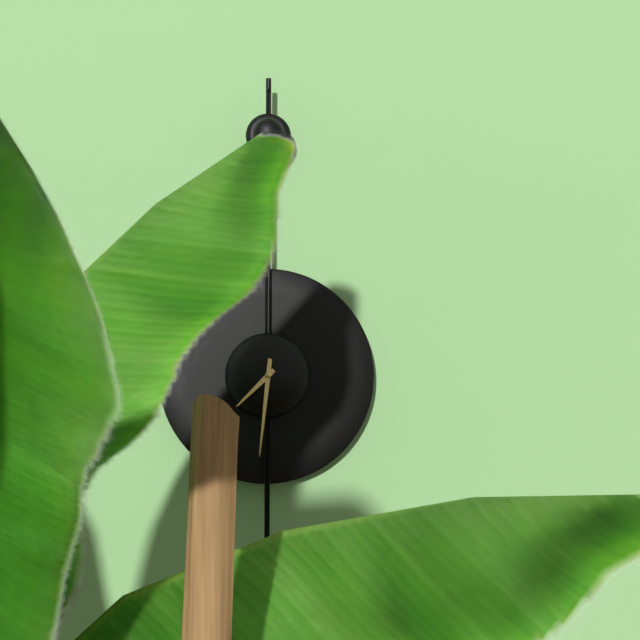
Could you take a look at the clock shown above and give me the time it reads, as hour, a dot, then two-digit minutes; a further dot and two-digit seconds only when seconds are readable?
7.31
